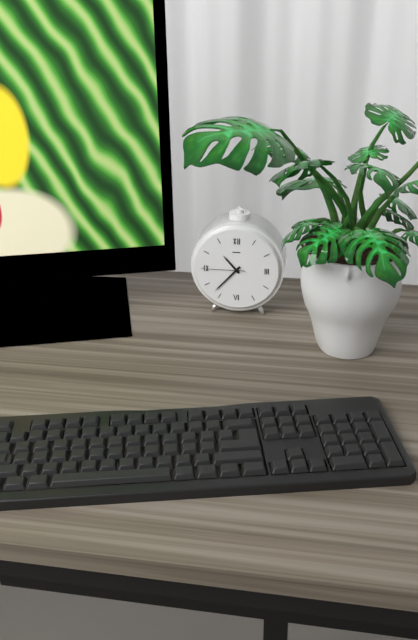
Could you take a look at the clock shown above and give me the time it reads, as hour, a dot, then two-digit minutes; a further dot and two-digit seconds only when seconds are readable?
10.37
